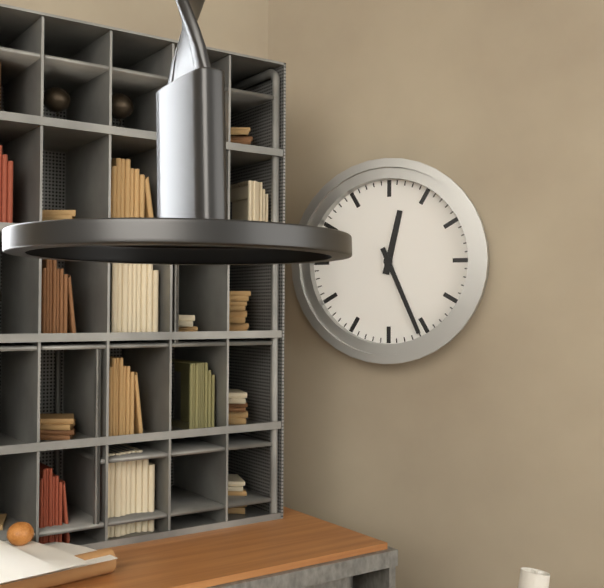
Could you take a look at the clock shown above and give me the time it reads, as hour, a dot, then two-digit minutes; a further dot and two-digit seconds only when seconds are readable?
12.26
